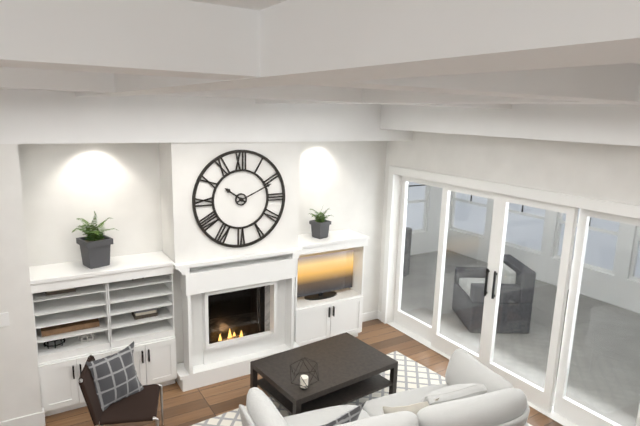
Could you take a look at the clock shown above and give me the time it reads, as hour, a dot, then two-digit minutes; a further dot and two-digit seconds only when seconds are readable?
10.11
